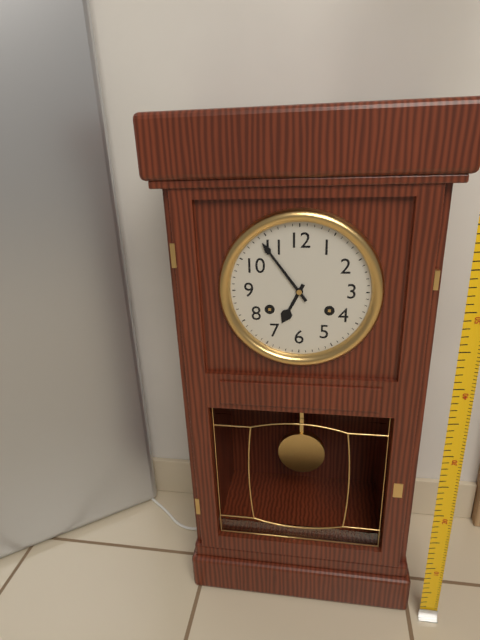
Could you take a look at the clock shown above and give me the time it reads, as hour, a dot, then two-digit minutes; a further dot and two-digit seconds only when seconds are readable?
6.54
